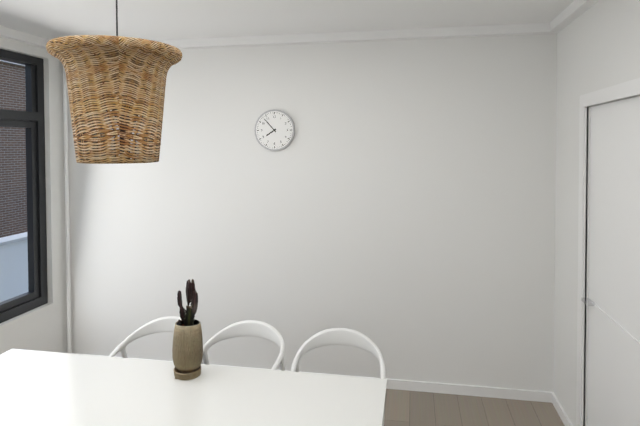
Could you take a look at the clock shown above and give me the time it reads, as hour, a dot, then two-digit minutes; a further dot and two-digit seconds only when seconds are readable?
7.53
